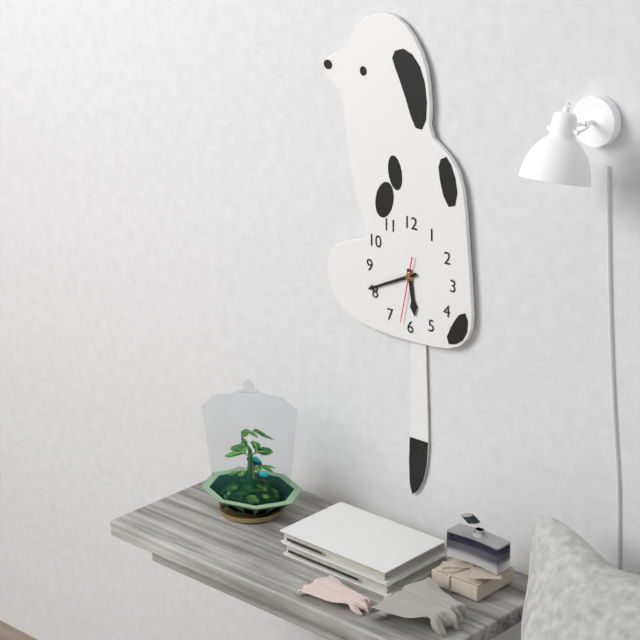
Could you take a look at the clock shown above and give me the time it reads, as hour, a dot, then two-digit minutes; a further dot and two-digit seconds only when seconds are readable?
5.41.32
